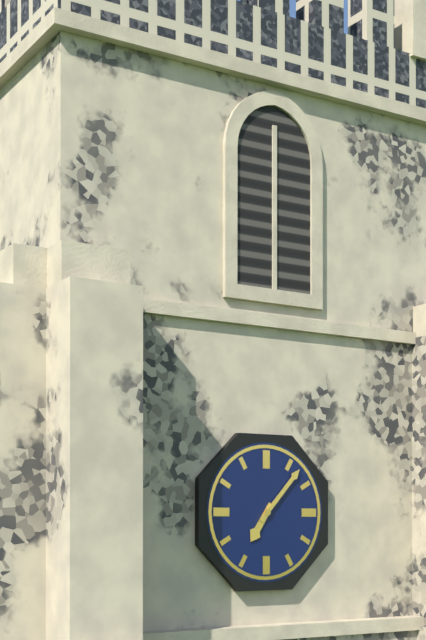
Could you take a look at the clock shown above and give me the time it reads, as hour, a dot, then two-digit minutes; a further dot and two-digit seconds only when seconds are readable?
7.07
